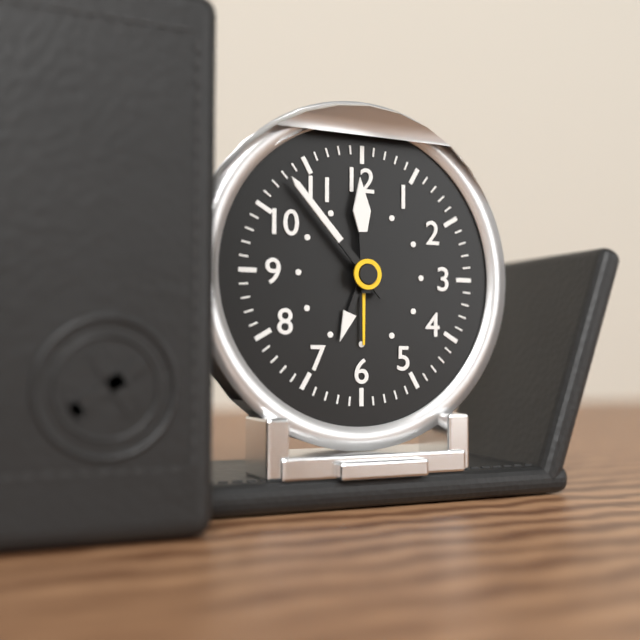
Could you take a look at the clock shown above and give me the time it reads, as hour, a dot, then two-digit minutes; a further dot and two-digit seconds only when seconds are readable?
11.53
